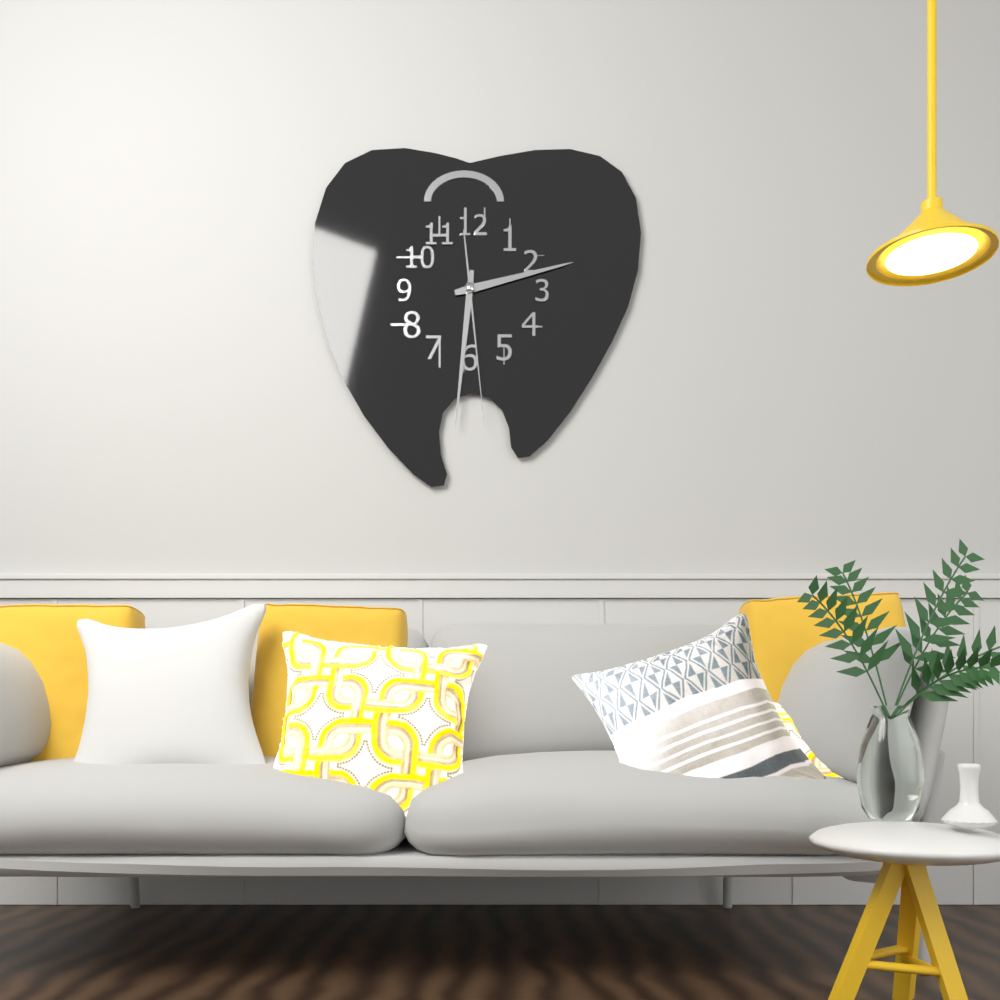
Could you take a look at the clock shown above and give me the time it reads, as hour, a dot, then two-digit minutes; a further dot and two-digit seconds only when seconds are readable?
2.31.29
